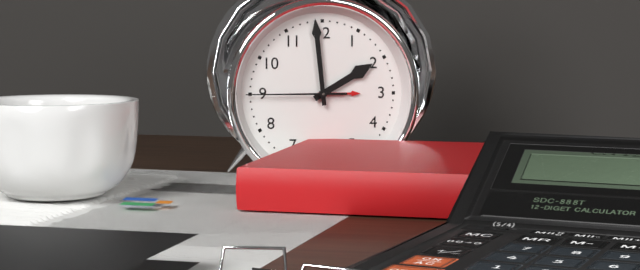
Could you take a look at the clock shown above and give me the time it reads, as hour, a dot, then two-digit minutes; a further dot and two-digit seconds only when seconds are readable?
1.59.45
